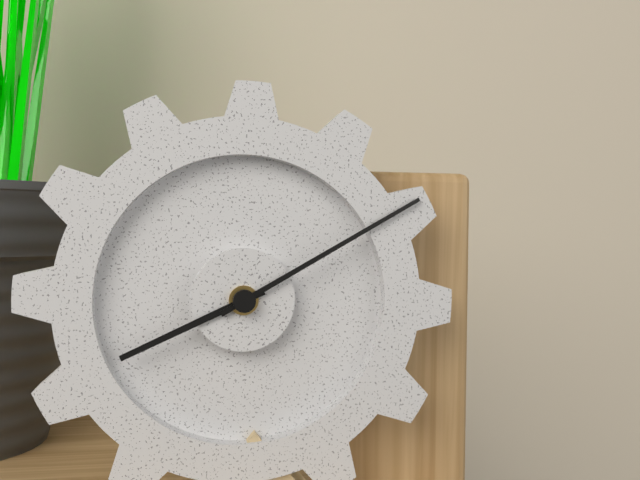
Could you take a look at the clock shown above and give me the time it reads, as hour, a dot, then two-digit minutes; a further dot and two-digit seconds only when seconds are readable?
8.10
